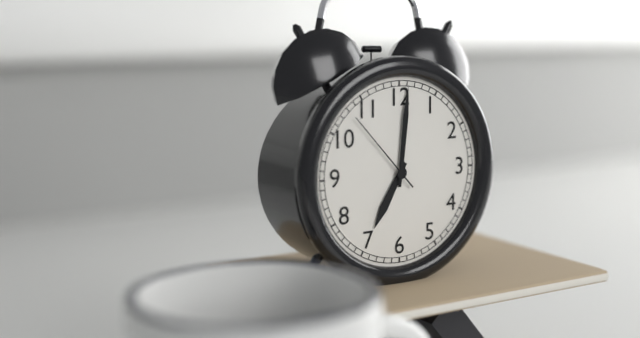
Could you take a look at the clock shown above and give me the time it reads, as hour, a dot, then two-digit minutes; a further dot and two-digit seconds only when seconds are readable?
7.01.53
